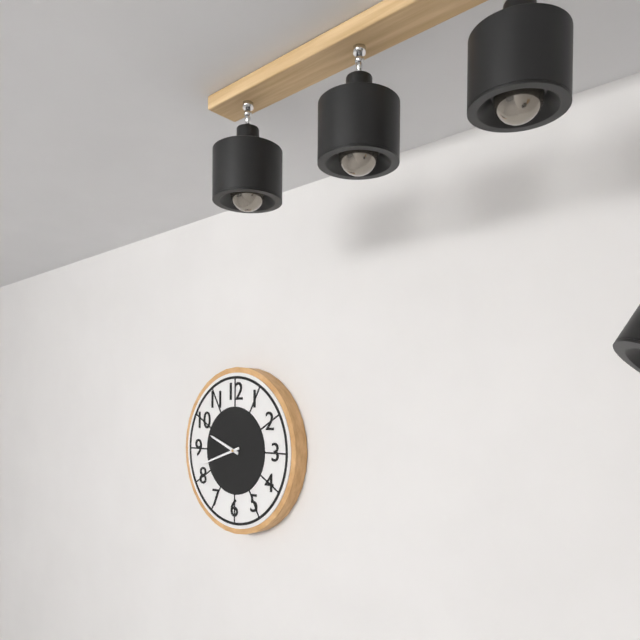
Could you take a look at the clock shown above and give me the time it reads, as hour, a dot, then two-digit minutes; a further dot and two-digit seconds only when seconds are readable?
9.42
